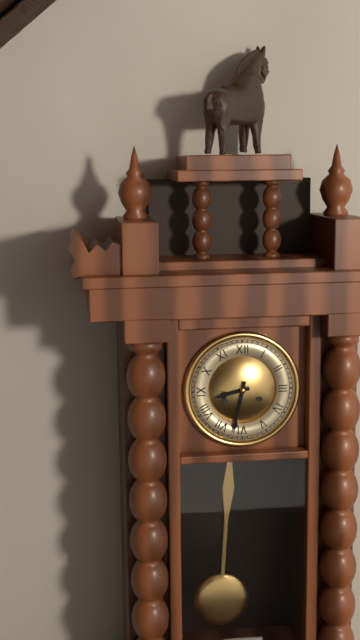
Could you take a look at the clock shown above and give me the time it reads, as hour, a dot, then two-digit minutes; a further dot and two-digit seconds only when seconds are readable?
8.32
